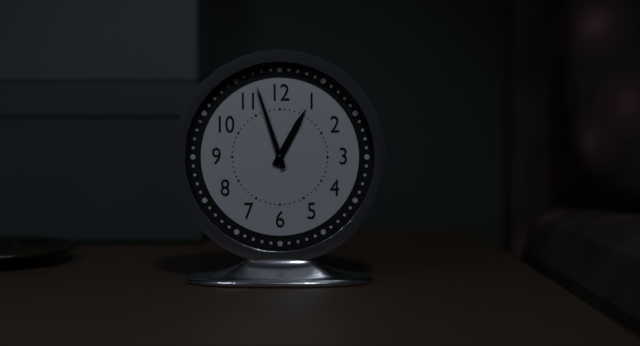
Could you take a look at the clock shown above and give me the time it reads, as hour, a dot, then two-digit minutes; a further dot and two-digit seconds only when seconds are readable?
12.57
